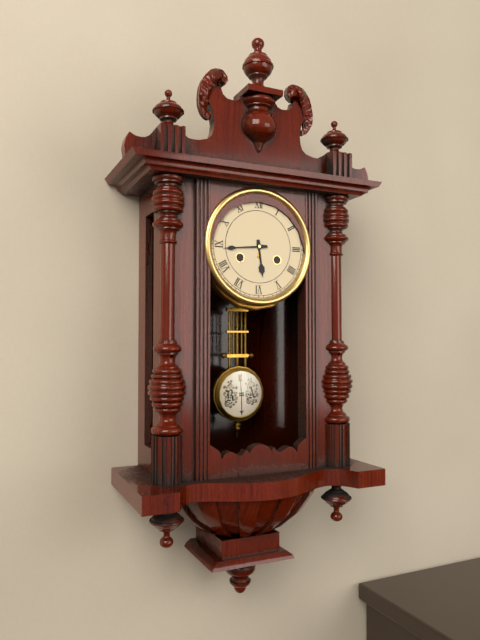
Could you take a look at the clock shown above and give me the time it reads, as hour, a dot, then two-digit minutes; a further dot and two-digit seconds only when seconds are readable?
5.44
